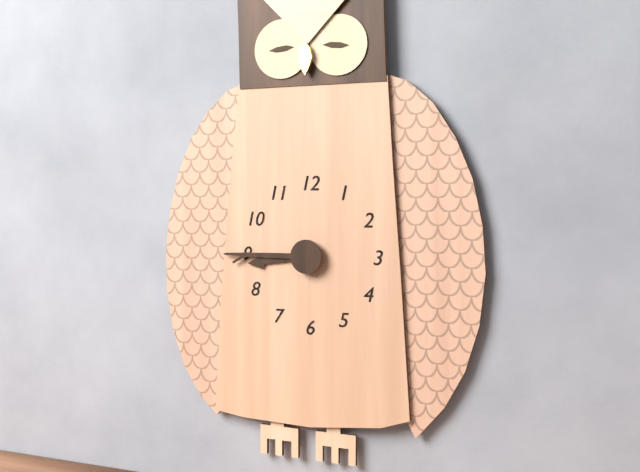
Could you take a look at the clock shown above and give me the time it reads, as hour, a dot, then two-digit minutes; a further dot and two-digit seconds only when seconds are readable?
8.45
